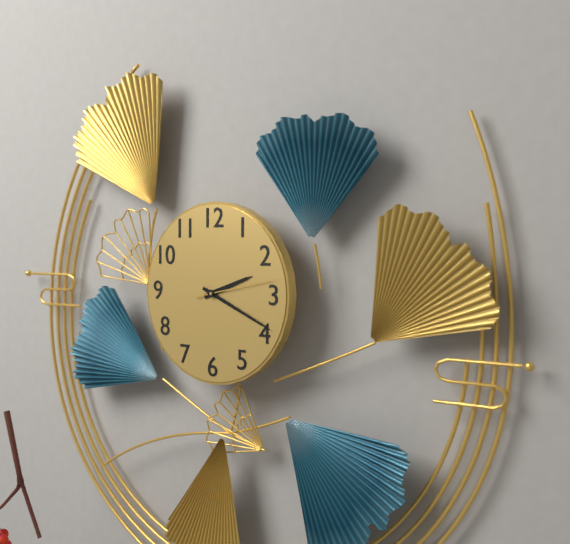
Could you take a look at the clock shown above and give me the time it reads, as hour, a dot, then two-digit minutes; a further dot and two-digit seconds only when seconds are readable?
2.19.13
